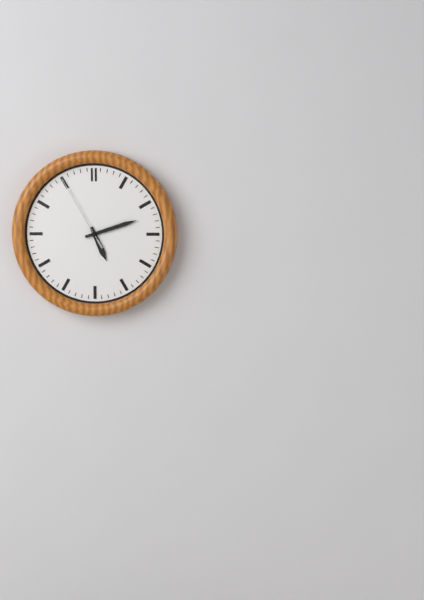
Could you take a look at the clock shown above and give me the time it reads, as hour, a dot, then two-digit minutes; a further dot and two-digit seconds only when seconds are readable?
5.12.55
